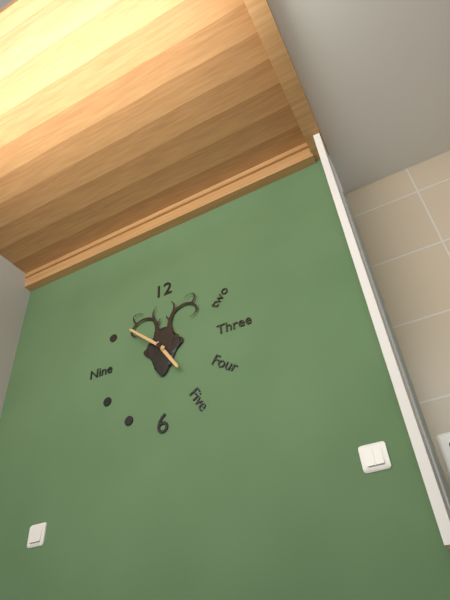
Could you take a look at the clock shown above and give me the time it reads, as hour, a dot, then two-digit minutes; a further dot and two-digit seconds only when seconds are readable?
4.52
